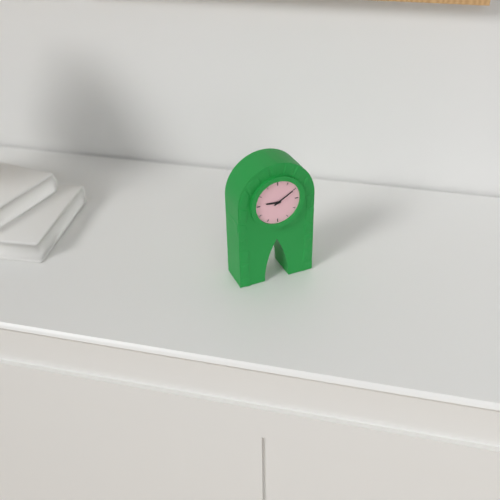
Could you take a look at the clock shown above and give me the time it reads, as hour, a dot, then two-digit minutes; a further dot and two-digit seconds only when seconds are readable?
9.10
